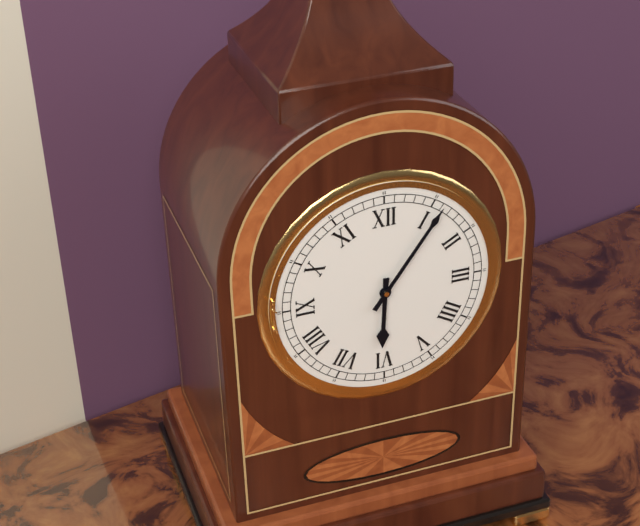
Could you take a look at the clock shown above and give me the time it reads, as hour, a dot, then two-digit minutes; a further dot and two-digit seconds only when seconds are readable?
6.06
